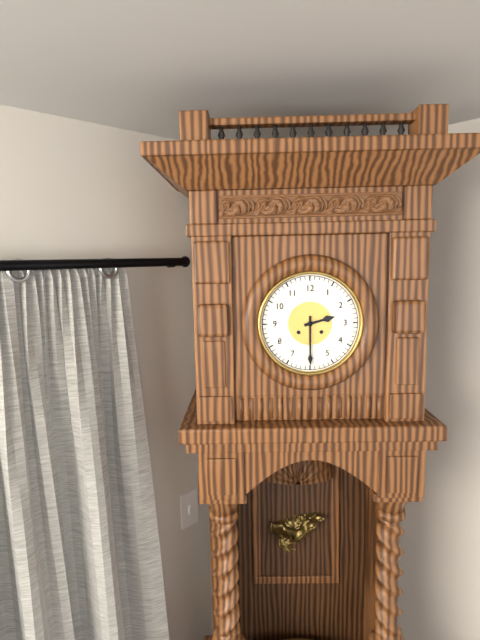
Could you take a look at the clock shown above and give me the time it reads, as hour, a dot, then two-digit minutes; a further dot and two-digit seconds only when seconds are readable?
2.30
